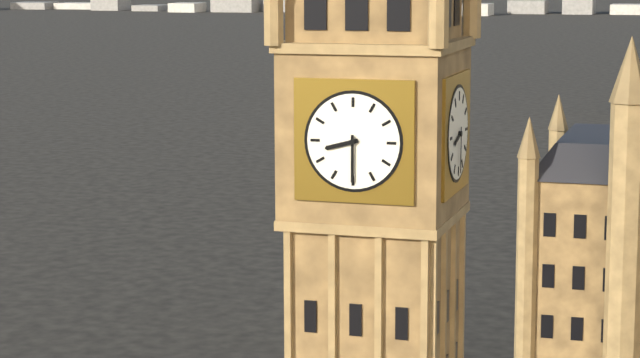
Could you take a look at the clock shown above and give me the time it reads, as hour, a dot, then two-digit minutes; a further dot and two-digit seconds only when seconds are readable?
8.30
